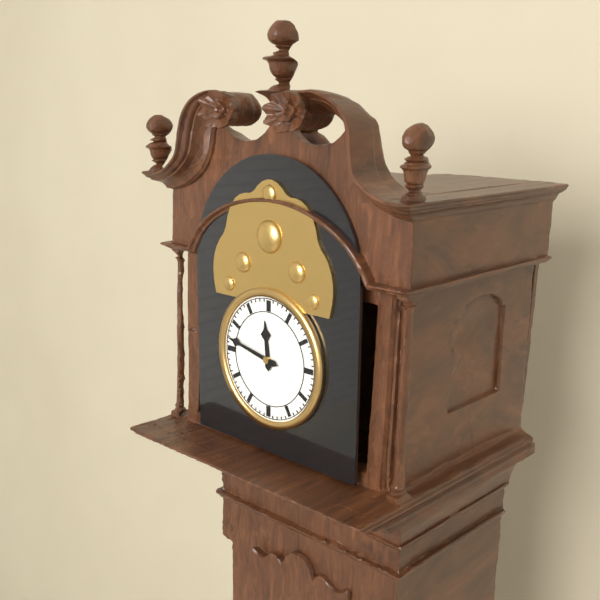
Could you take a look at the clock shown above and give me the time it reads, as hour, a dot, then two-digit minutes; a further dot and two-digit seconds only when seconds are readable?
11.47
